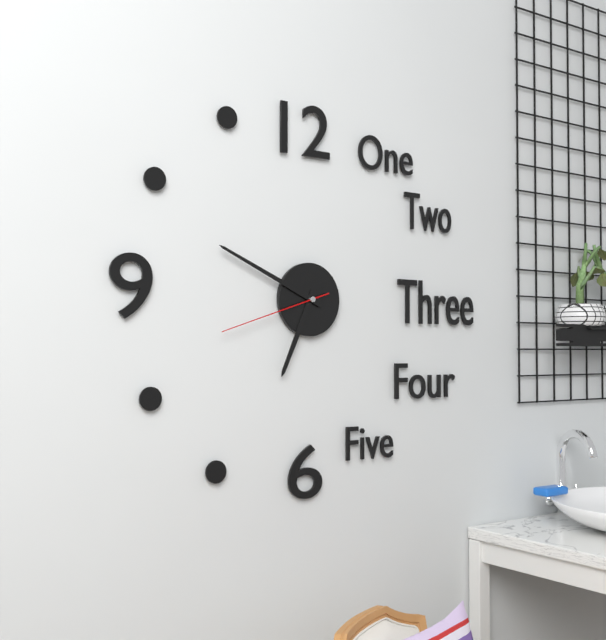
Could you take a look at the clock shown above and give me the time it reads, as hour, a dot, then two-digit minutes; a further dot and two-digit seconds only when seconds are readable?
6.49.42
